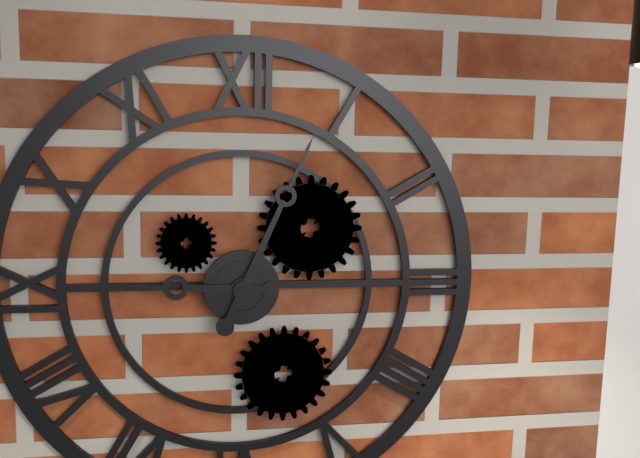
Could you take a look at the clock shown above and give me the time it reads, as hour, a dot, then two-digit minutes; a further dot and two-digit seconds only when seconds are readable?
9.04
